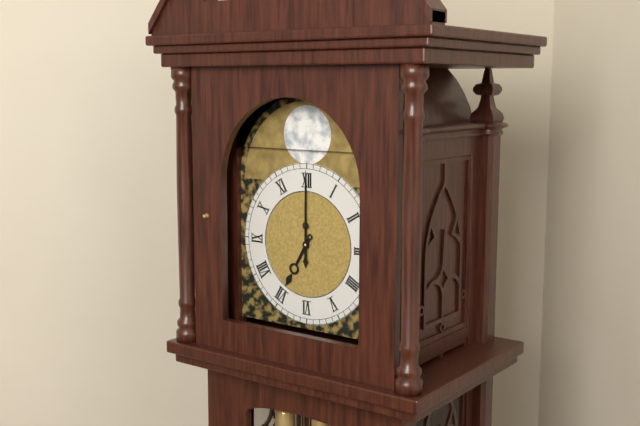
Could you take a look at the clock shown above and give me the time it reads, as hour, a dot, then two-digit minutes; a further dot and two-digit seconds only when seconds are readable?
7.00
